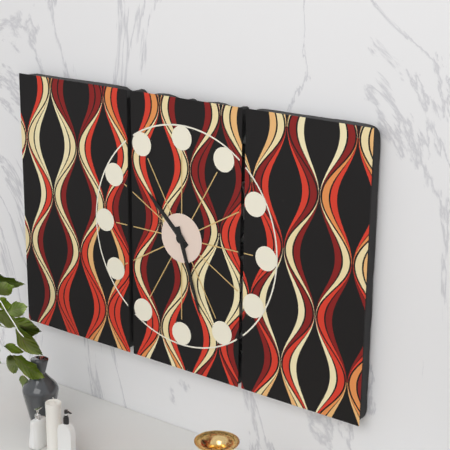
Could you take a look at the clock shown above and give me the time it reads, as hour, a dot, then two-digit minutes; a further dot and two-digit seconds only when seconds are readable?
10.27
